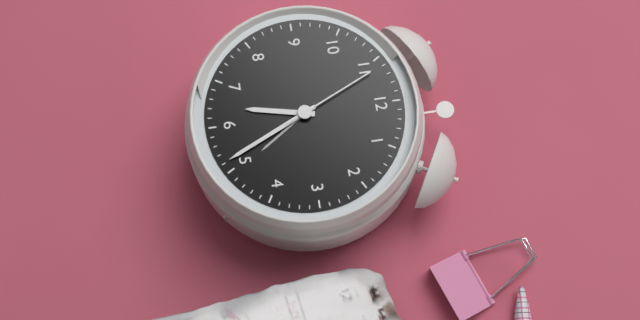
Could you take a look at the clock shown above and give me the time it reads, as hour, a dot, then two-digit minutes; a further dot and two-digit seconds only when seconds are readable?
6.26.56
